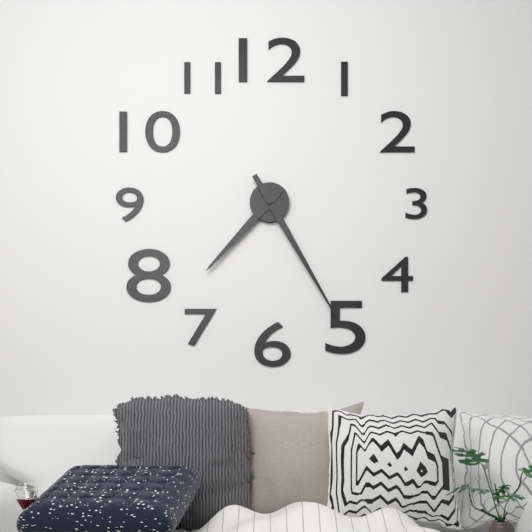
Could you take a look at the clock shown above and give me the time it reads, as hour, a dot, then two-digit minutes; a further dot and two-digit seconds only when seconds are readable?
7.25
